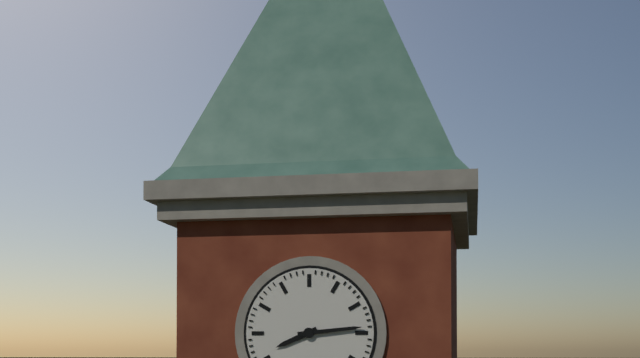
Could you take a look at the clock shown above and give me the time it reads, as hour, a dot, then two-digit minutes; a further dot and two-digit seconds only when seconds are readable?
8.14
